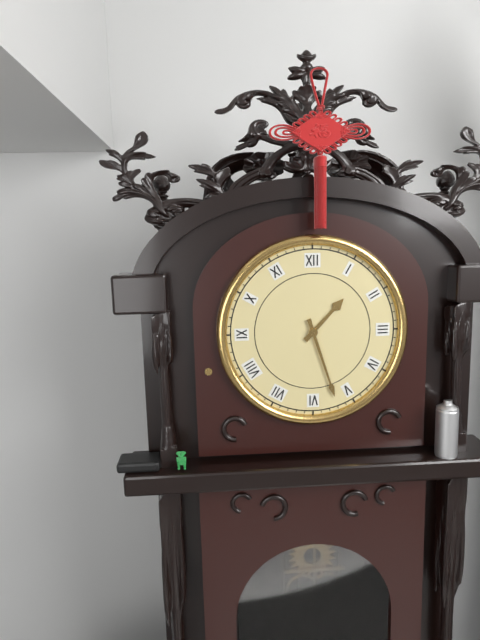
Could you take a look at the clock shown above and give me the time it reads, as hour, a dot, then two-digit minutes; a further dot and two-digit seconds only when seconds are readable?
1.27
